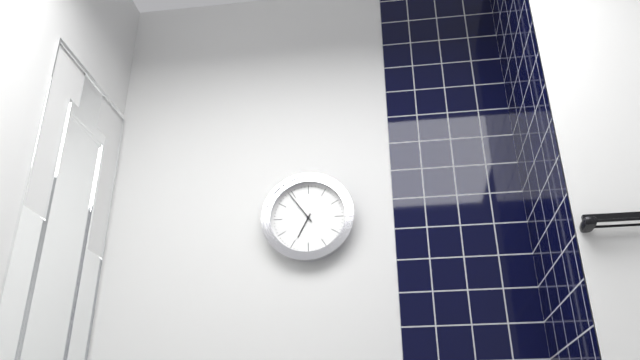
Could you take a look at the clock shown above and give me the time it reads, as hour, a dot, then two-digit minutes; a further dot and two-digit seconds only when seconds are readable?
6.54
